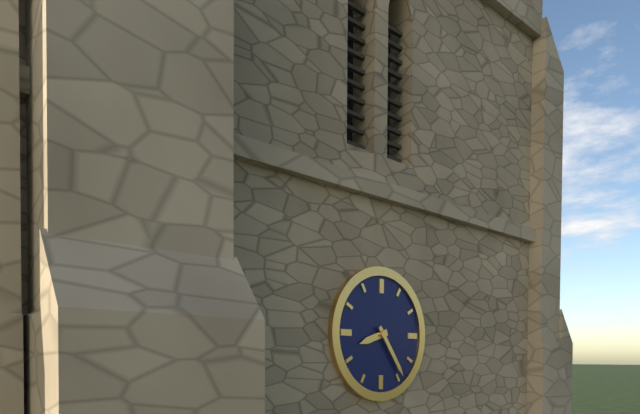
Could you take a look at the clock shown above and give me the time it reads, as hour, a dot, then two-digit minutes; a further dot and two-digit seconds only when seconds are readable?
8.24
